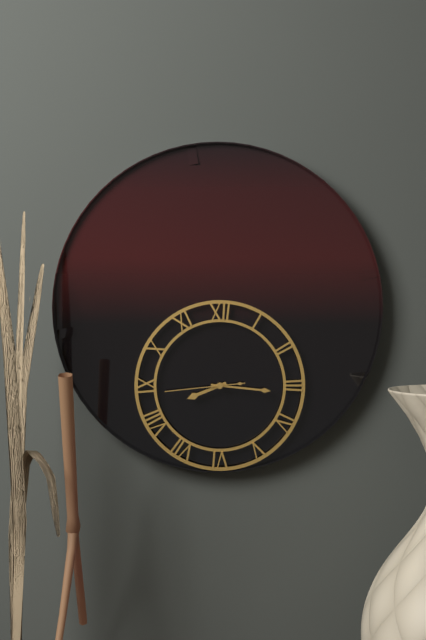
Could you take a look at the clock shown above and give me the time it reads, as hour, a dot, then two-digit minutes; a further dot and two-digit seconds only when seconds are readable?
8.16.44
